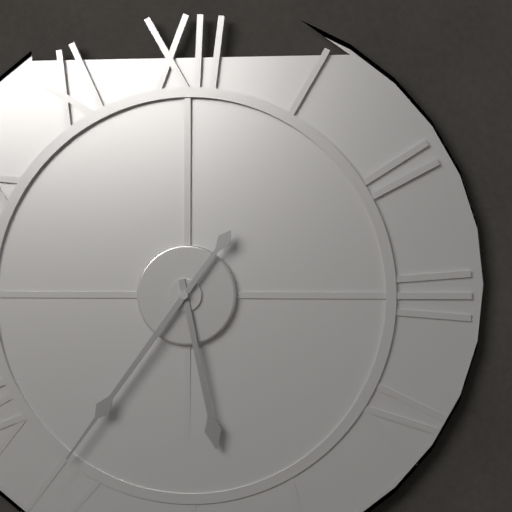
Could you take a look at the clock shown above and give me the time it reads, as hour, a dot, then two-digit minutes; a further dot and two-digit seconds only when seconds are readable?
5.36
